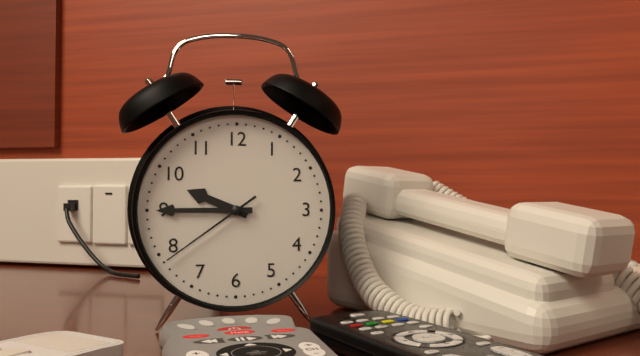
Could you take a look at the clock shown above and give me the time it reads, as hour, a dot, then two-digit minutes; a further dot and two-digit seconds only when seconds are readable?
9.45.39
